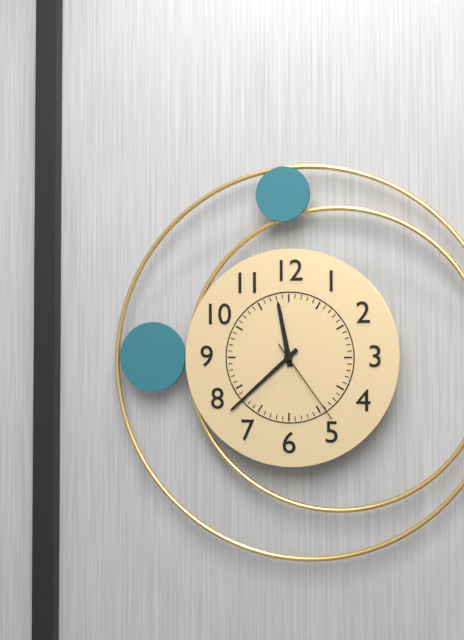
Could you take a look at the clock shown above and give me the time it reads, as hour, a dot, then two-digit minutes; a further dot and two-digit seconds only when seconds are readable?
11.38.24
